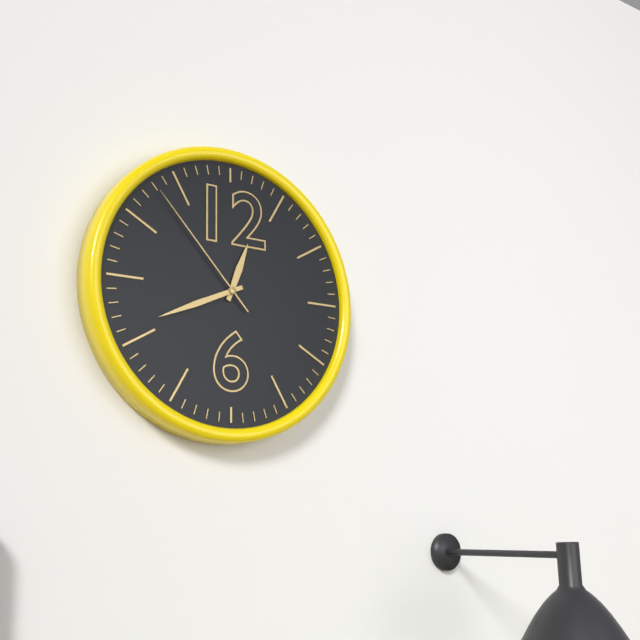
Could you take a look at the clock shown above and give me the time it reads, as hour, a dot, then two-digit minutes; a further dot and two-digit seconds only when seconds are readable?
12.41.53
